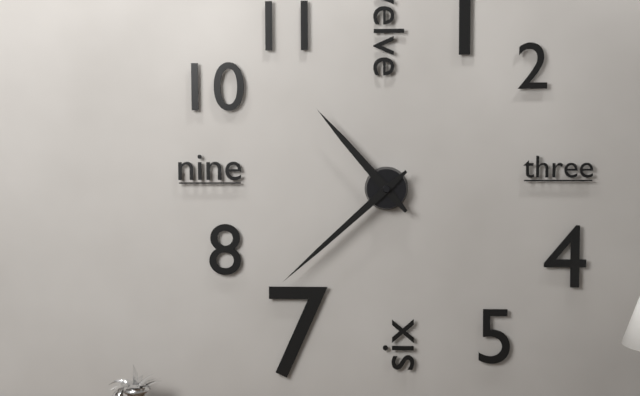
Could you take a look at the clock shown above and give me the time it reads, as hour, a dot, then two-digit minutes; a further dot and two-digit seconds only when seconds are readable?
10.38
